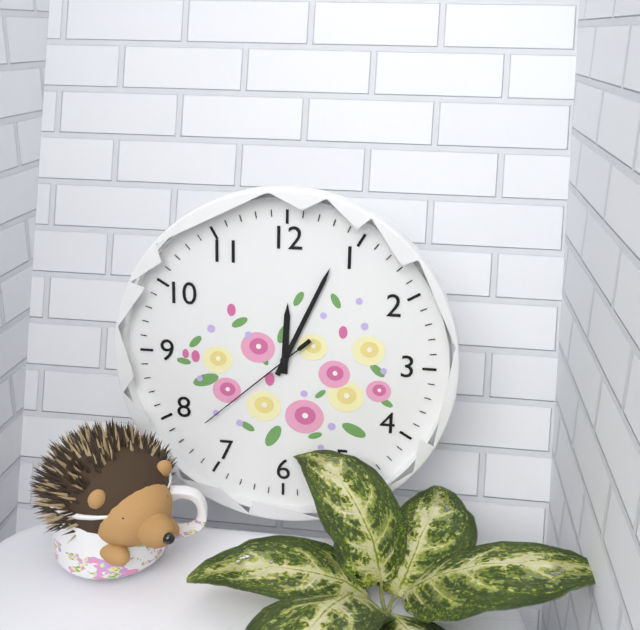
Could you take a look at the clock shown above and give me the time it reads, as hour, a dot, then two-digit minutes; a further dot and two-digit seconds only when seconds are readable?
12.04.38
